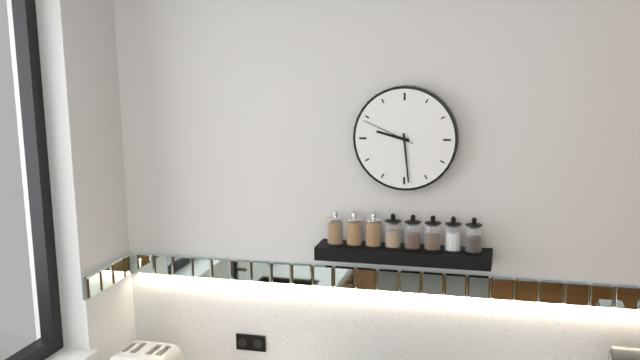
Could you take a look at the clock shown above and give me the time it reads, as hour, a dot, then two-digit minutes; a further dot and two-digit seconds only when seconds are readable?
9.29.49
